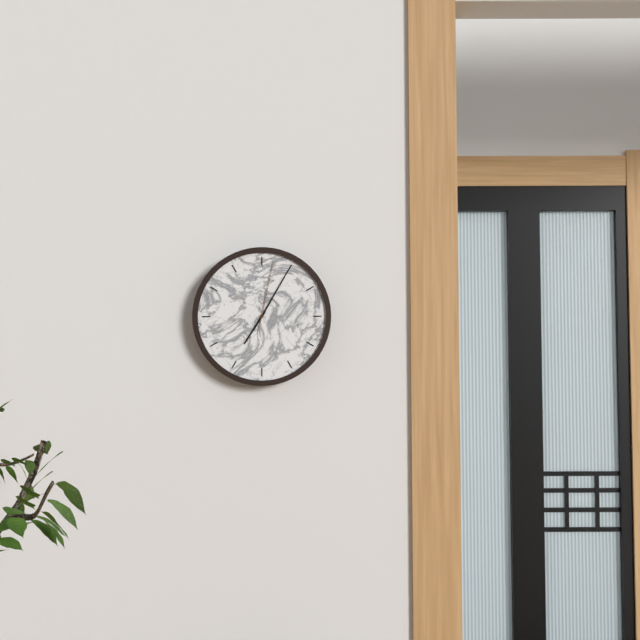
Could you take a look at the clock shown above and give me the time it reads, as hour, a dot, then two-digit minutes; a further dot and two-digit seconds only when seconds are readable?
7.05.02
